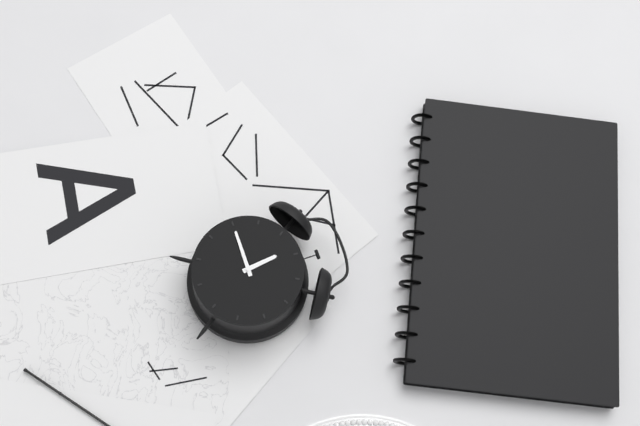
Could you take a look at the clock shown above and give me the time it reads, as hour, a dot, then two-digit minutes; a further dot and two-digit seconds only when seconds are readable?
11.45
